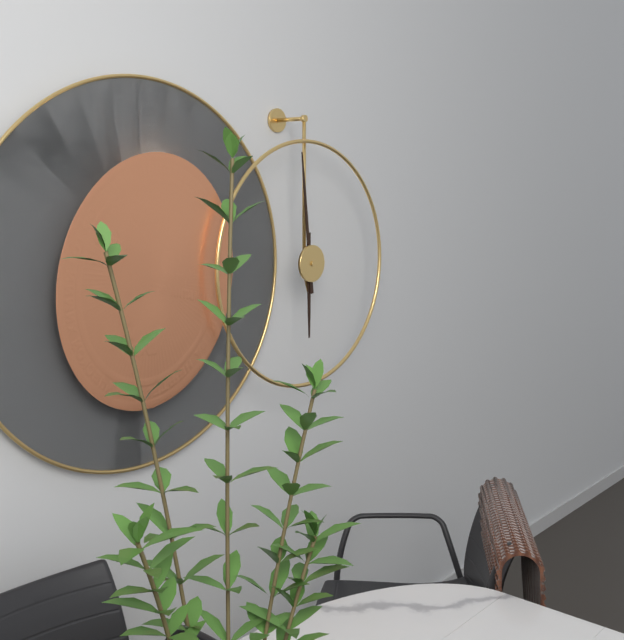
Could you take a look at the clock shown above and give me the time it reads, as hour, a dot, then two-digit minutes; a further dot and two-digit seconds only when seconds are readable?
5.59
